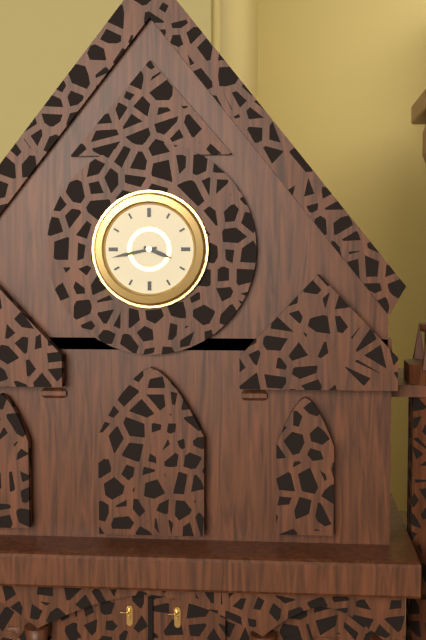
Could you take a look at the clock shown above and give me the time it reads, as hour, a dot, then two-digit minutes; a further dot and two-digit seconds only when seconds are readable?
3.43
